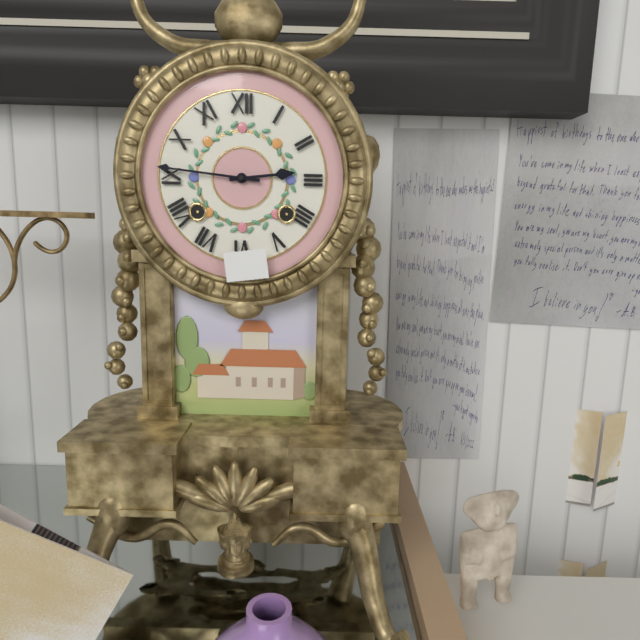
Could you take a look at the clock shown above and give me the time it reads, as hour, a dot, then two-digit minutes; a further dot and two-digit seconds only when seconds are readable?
2.46
